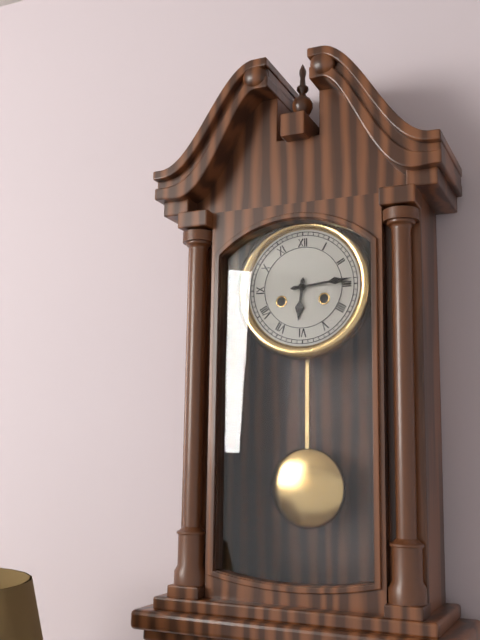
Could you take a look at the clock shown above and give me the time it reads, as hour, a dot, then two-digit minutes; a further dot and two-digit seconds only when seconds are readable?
6.14
